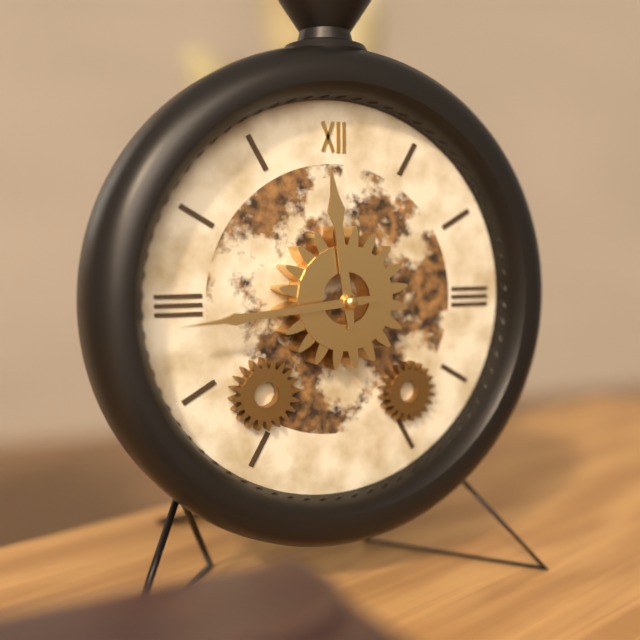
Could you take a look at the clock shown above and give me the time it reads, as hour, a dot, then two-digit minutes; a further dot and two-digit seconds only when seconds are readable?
11.44
